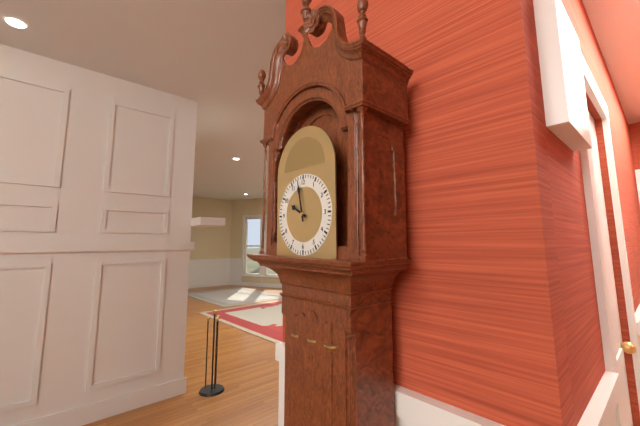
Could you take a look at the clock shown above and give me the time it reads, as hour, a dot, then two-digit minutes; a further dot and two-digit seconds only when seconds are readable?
9.58
